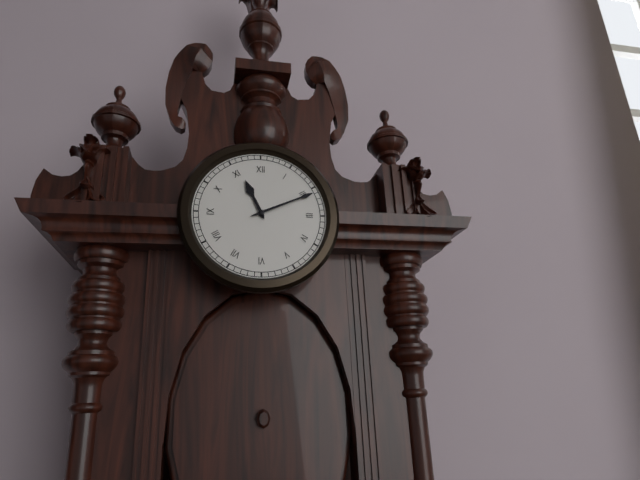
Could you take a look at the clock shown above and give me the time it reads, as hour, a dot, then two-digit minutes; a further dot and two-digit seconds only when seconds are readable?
11.11
